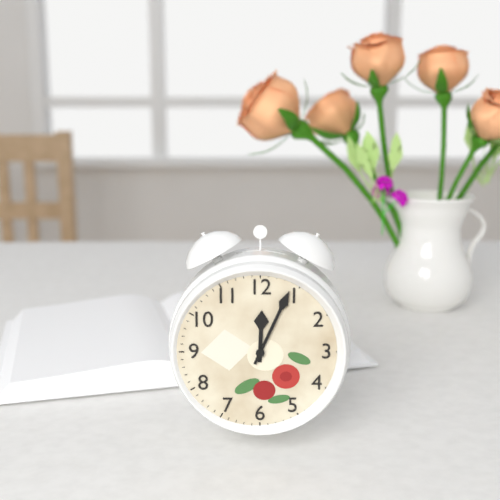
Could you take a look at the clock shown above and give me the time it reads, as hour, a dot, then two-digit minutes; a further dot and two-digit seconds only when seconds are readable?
12.04
